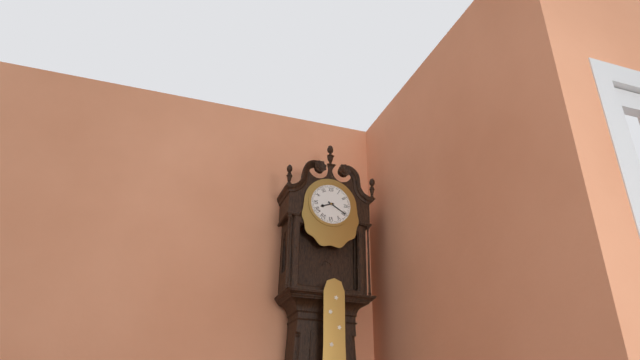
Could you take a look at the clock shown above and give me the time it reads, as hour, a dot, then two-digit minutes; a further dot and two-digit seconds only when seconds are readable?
8.20
